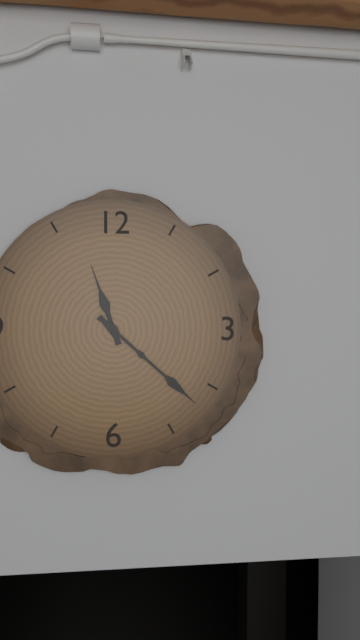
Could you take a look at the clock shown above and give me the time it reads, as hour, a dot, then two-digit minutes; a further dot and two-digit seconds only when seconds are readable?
11.22
